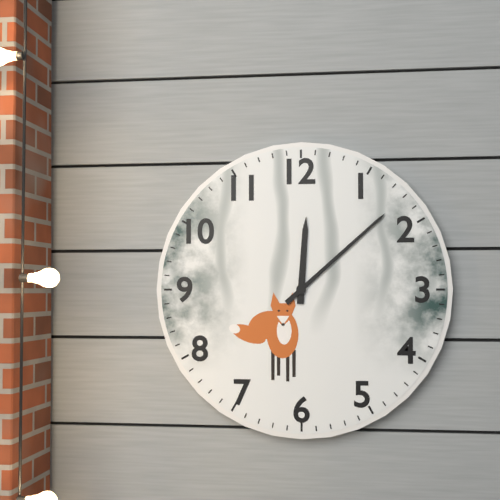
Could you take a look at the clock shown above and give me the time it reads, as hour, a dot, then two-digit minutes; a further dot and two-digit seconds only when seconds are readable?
12.08
